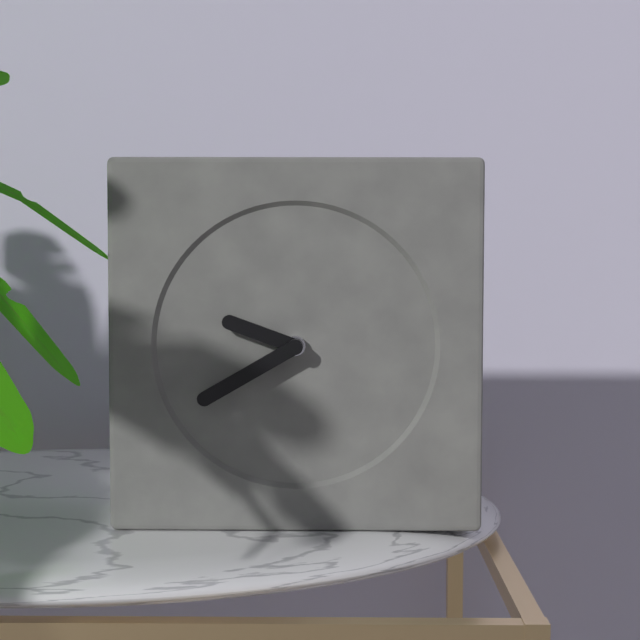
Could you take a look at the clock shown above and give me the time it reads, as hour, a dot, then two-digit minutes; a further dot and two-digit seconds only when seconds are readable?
9.40
